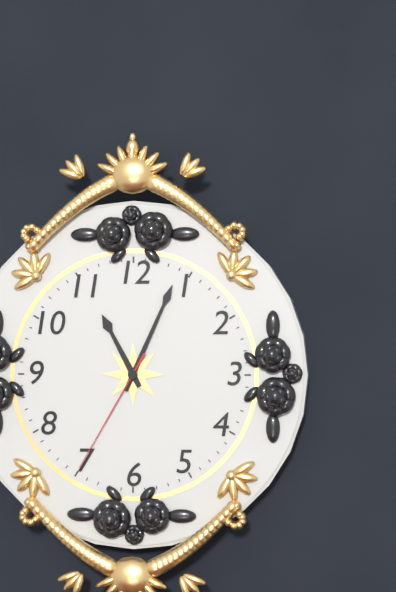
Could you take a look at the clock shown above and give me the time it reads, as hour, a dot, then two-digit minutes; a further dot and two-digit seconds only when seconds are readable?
11.04.35
